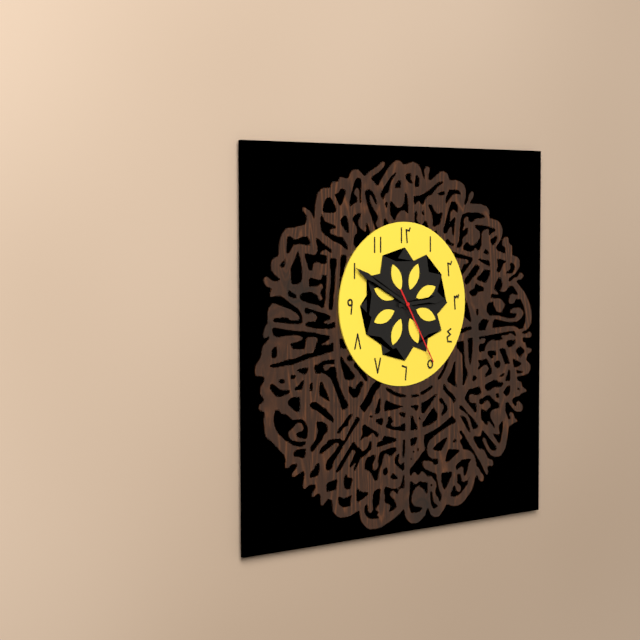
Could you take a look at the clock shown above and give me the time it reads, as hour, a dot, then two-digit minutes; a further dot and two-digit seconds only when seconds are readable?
2.50.25
